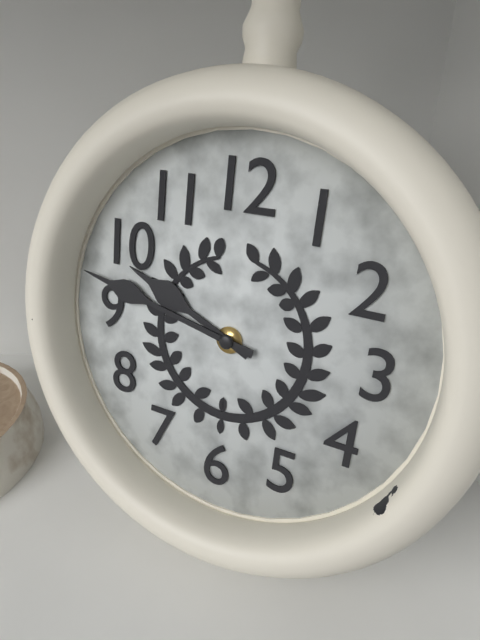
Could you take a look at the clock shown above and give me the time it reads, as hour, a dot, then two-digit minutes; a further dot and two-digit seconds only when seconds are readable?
9.47
